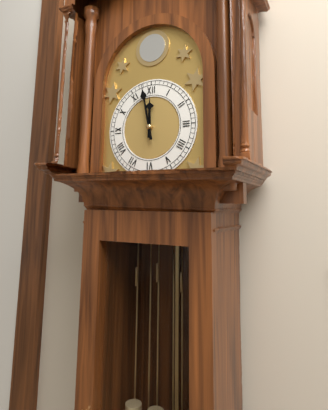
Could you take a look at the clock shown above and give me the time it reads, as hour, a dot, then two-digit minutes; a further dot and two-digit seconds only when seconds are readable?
11.58
